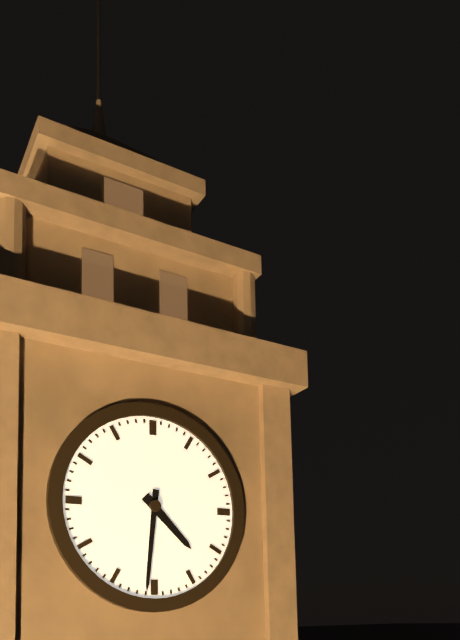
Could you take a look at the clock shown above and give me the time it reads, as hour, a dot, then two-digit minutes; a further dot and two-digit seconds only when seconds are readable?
4.31
